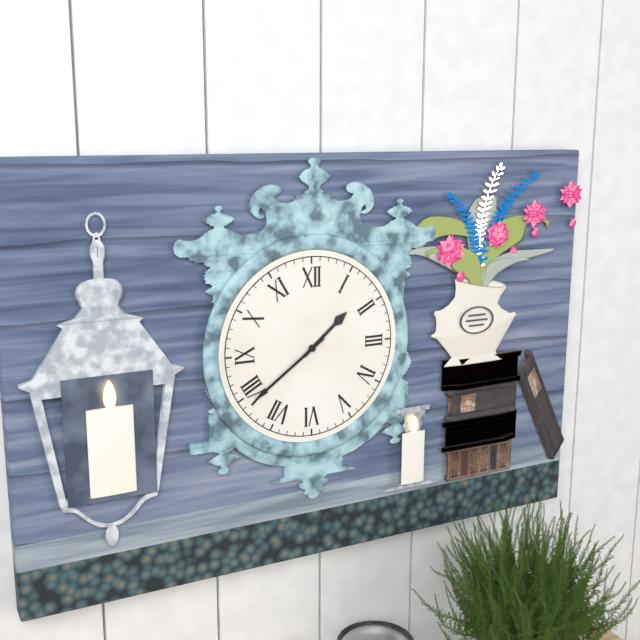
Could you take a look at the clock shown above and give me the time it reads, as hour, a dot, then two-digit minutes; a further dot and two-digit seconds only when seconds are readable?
1.39
